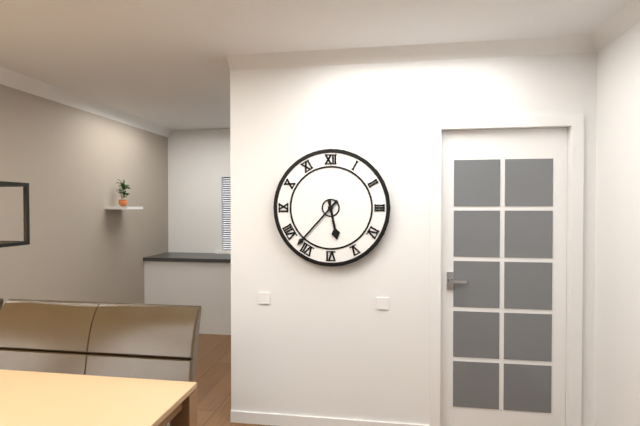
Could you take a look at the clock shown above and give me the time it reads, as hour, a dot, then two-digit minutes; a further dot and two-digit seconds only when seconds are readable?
5.37
